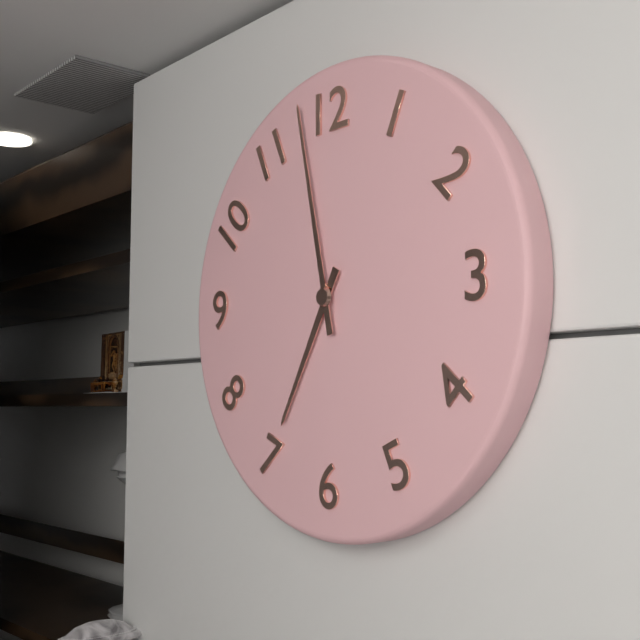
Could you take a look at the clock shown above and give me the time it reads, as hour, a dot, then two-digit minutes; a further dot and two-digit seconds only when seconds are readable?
6.58
